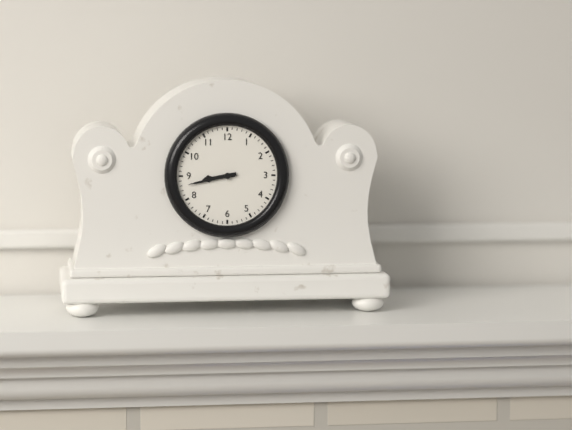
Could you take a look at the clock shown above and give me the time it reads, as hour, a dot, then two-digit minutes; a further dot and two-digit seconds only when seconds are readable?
8.43
